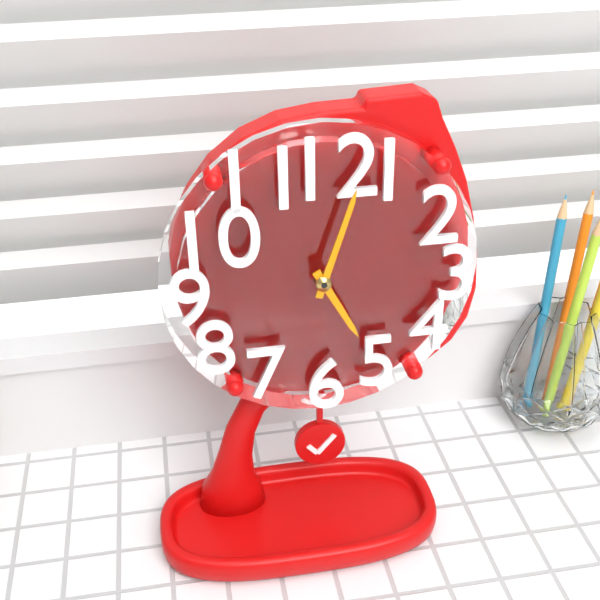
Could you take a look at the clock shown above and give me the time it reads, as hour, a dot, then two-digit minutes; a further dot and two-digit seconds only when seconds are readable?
5.03
